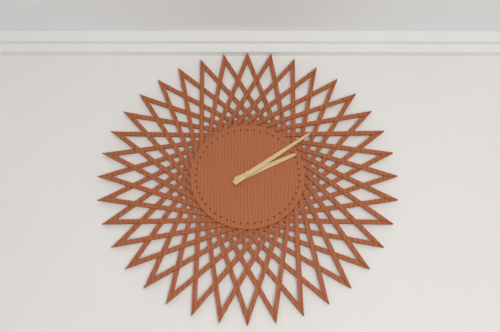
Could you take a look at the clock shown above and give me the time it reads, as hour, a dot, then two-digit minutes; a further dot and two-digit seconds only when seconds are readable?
2.09
